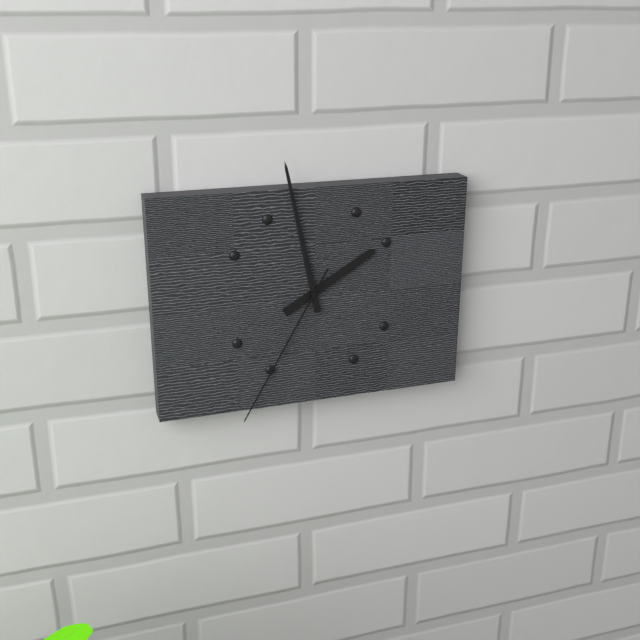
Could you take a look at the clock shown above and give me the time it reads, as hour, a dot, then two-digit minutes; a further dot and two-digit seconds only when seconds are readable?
1.58.35
